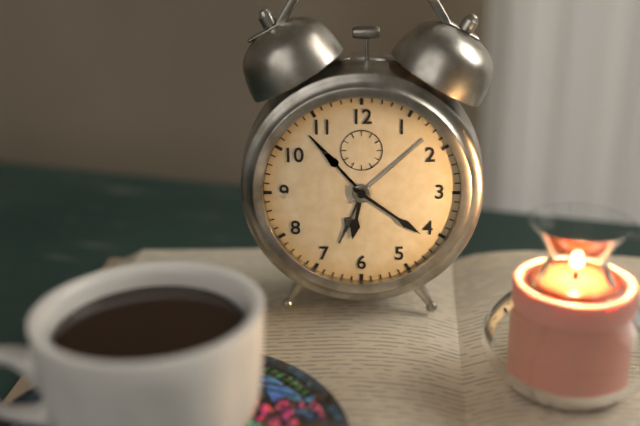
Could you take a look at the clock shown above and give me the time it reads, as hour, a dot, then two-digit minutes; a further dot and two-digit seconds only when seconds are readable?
6.21
